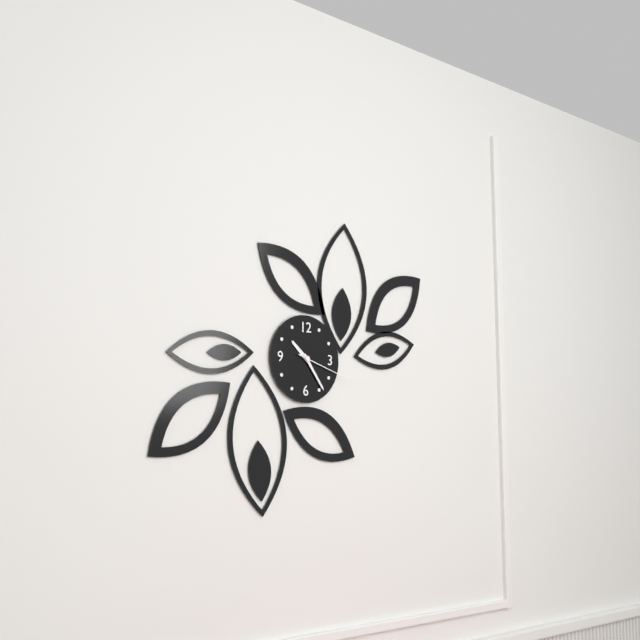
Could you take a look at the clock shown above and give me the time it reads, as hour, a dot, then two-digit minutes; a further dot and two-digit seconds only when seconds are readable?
10.24.18
